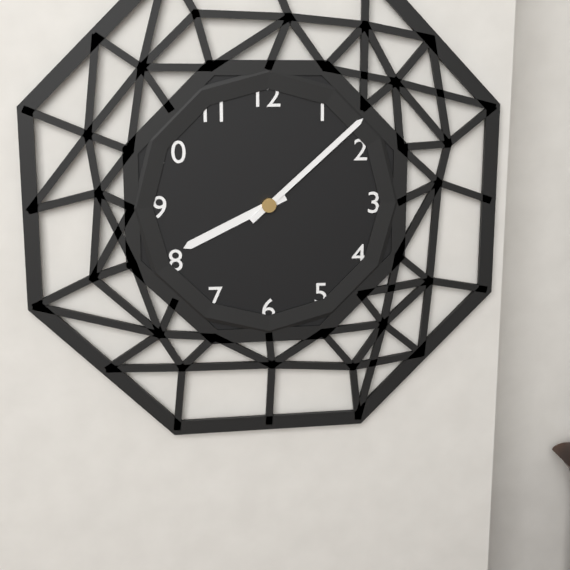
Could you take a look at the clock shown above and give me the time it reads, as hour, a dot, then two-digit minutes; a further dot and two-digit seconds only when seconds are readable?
8.08
